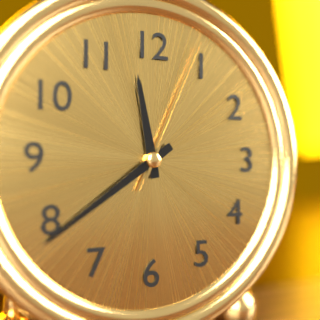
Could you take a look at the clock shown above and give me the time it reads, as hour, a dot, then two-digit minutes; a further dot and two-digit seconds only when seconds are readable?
11.39.04
